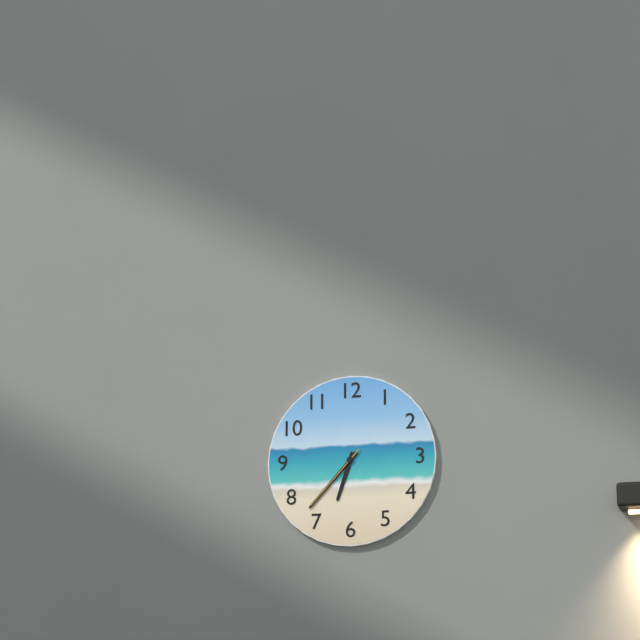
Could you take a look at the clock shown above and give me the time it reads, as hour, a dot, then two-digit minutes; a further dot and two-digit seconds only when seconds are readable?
6.37.37
